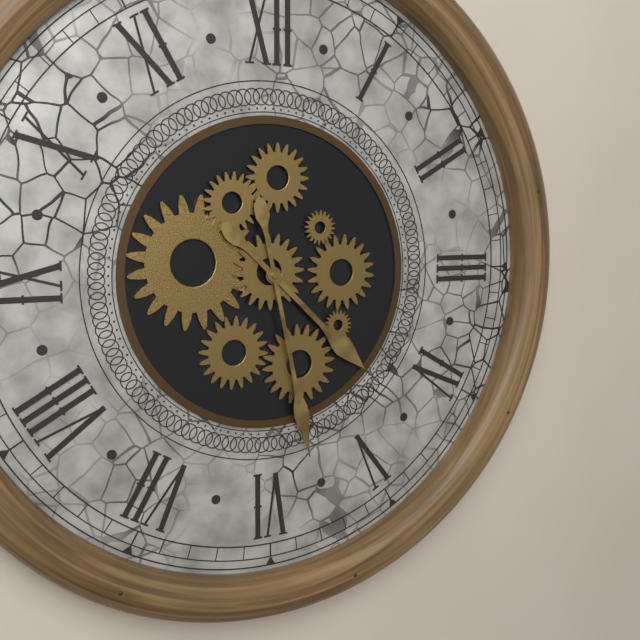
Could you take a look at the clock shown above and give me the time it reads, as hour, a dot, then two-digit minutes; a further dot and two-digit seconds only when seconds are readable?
4.28
